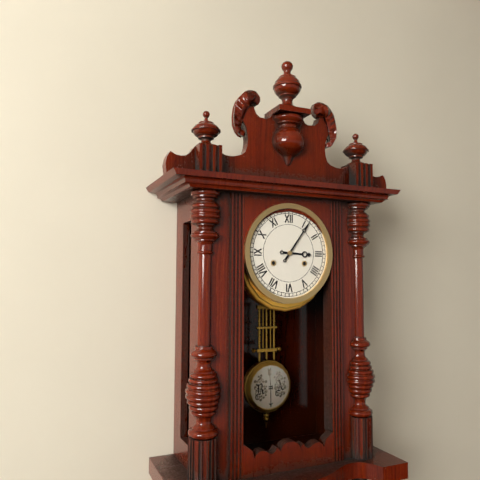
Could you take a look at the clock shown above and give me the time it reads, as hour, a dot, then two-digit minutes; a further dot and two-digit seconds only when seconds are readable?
3.06
